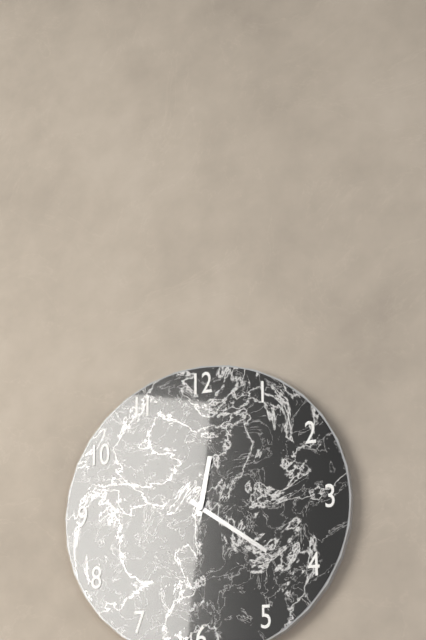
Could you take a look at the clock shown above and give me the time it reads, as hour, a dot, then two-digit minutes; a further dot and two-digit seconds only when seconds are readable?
12.21
